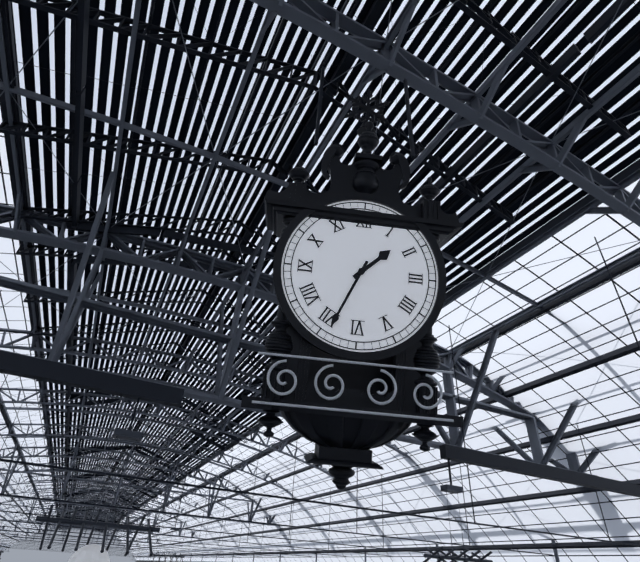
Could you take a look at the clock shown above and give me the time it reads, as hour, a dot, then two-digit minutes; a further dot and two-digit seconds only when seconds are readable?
1.34
